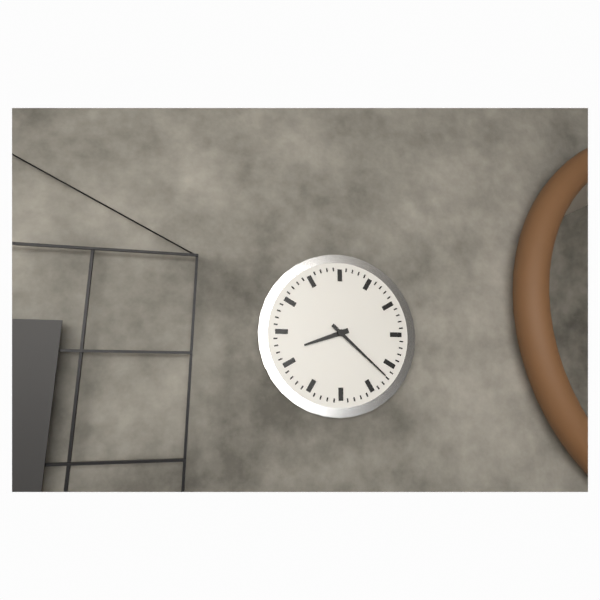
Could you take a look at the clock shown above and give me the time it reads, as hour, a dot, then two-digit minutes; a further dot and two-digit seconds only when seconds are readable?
8.22
